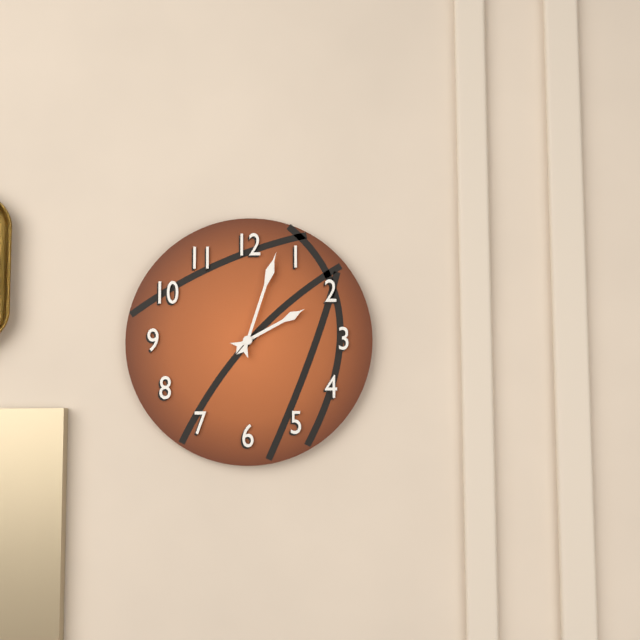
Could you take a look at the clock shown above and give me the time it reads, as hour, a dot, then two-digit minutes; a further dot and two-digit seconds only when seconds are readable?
2.03
